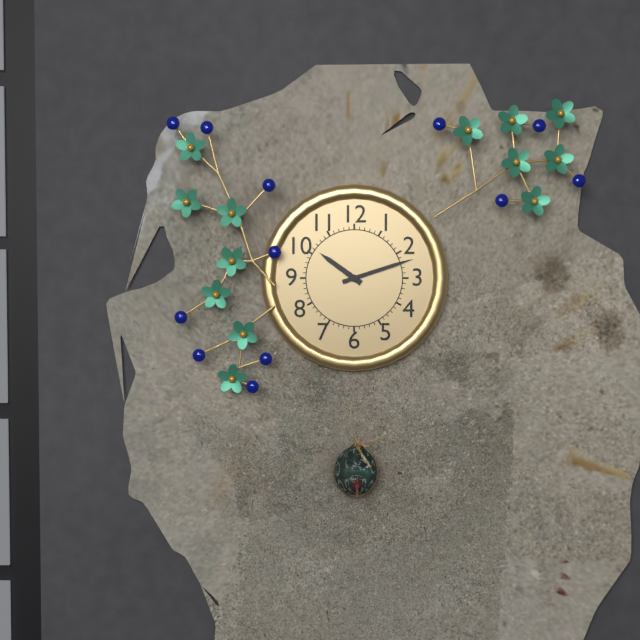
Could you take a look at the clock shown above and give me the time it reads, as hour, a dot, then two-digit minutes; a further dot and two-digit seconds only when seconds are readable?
10.12
